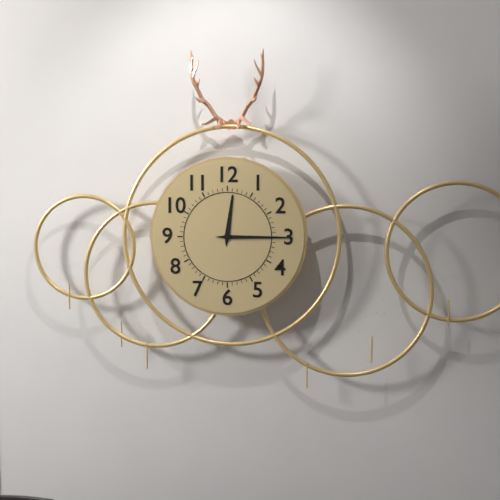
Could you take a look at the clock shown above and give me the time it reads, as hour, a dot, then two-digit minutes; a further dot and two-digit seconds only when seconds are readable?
12.15
